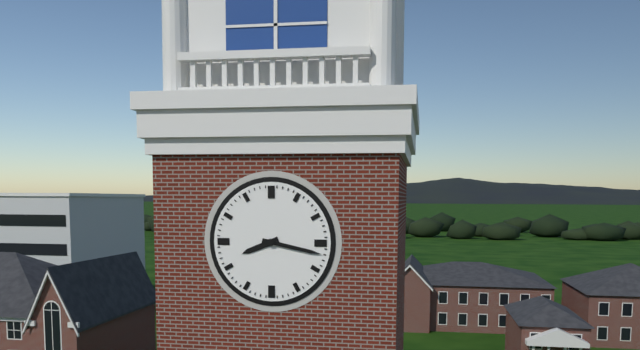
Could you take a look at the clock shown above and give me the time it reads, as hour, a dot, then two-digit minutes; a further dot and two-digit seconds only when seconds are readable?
8.17
